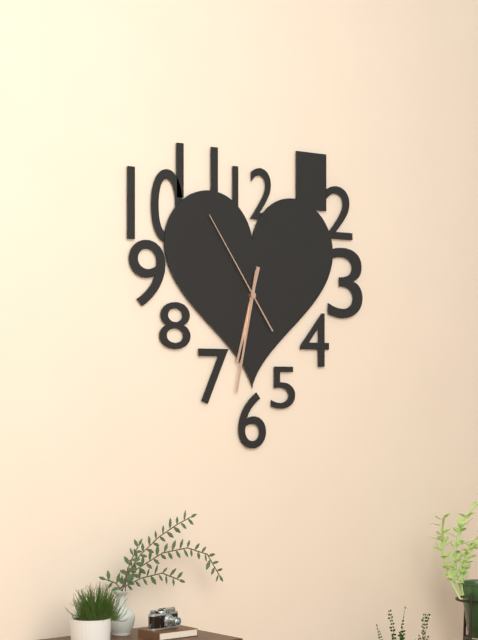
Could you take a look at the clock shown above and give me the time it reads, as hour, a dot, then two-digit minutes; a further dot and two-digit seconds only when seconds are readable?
6.32.54
